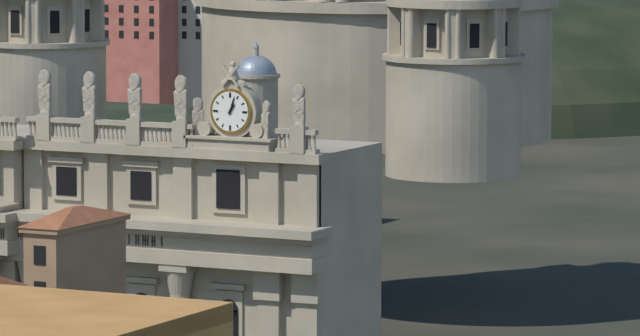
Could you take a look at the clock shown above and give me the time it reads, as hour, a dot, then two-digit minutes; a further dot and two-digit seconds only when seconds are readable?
1.03
